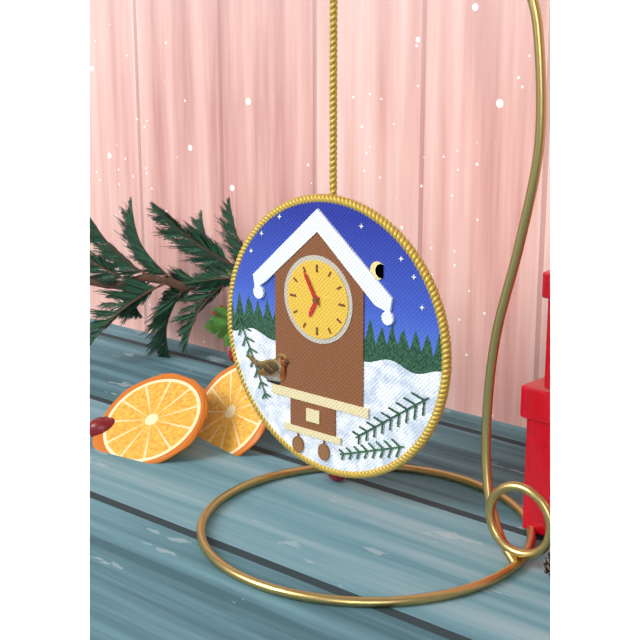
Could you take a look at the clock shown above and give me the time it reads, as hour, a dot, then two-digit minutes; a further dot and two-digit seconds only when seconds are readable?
6.55
